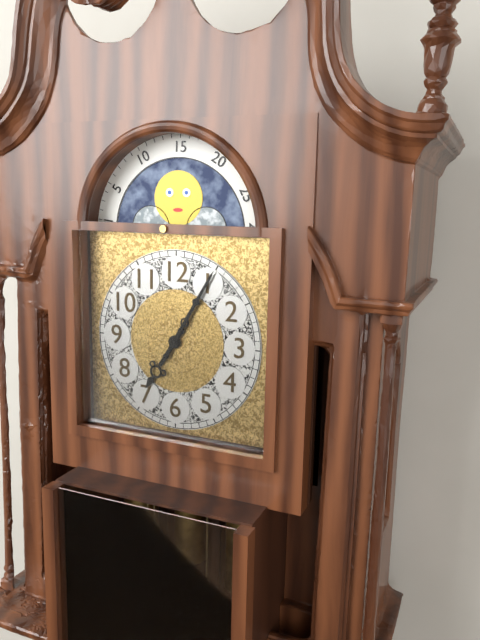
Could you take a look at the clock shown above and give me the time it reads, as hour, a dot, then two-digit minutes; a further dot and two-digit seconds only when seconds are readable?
7.05
